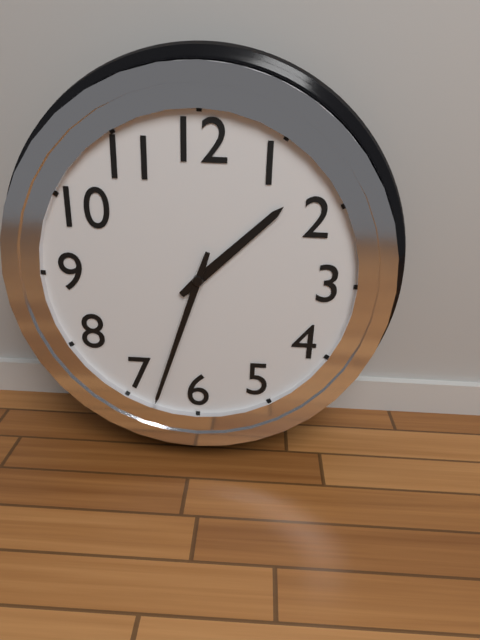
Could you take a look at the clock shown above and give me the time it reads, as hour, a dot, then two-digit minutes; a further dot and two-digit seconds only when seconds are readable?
1.33
